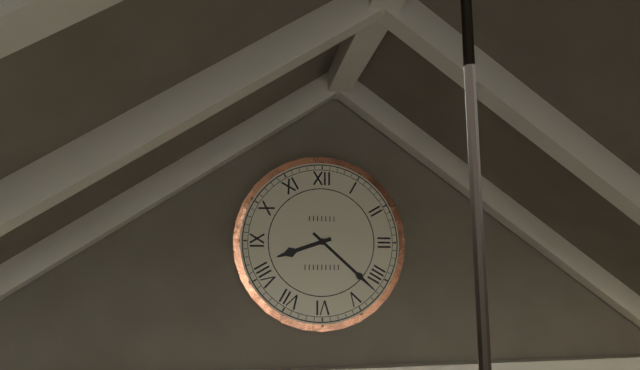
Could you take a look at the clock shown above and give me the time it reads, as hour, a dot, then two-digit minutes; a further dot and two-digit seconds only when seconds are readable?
8.22
